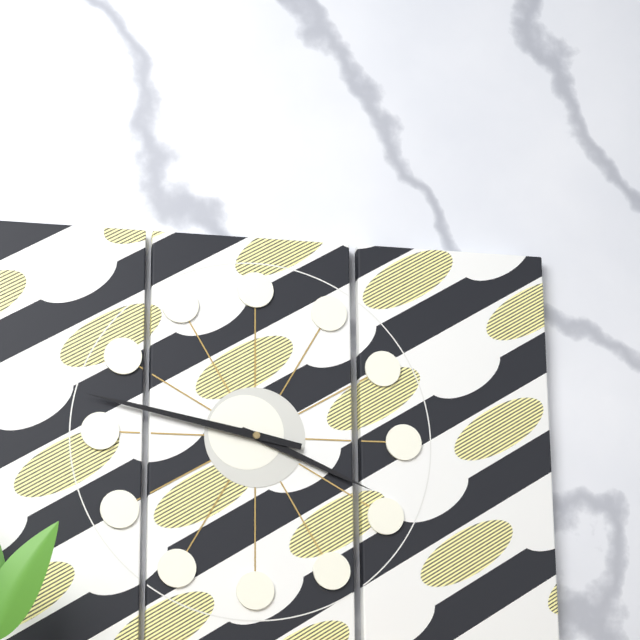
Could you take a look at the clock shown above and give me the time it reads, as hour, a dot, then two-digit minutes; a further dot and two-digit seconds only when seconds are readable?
3.47
